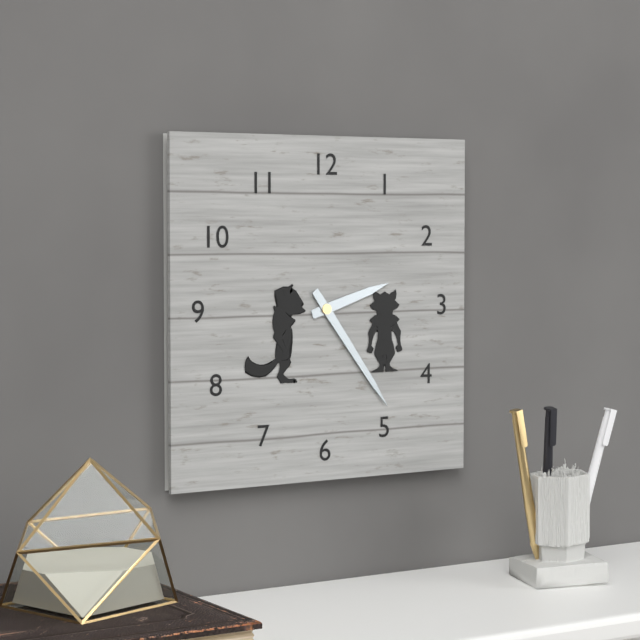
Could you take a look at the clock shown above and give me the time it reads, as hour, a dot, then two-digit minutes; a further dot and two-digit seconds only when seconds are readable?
2.24
